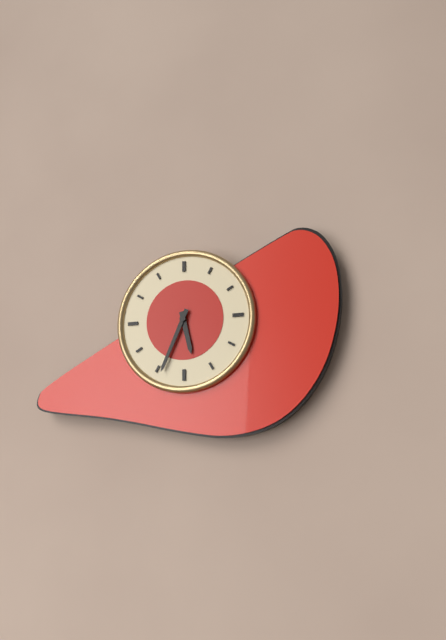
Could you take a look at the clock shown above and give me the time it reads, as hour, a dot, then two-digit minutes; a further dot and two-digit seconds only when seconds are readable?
5.34
